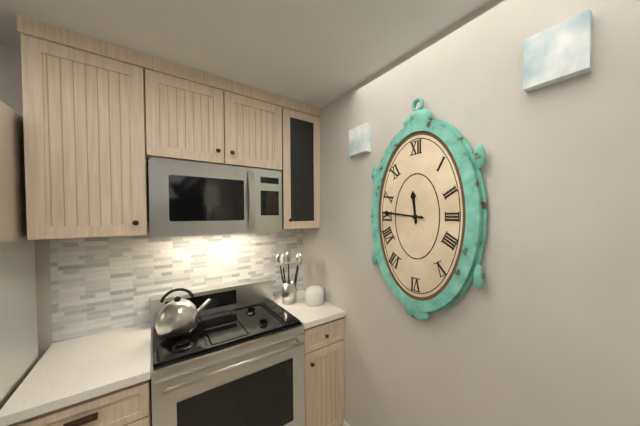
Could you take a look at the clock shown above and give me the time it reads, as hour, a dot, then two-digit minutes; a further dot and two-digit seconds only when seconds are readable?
11.46
